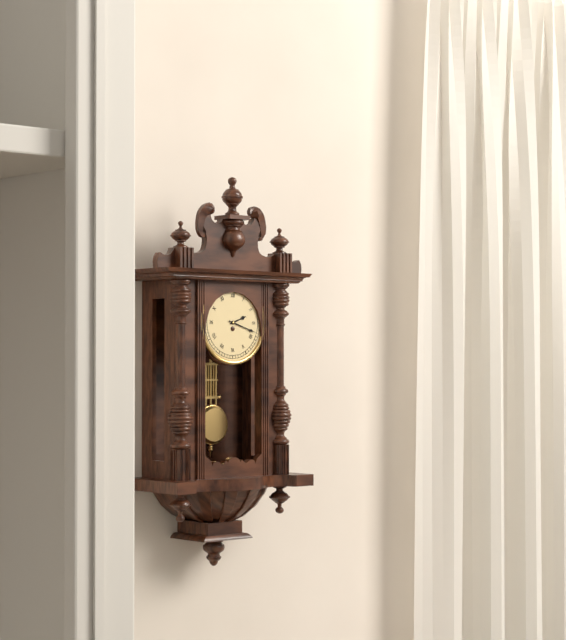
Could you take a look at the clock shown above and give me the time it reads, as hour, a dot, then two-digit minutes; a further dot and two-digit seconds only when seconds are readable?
2.18
